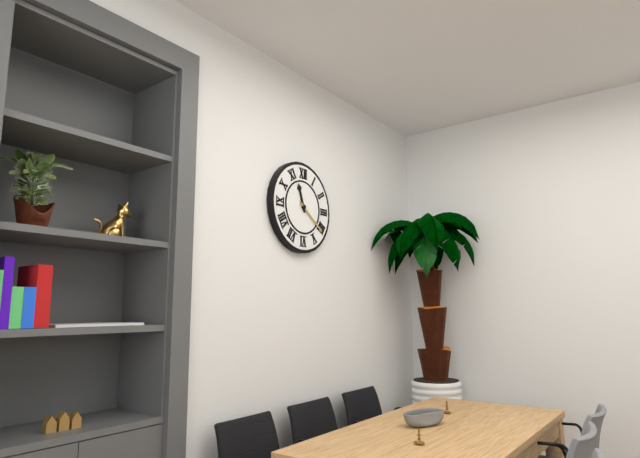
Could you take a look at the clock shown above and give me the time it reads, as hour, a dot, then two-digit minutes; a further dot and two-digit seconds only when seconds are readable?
11.21
